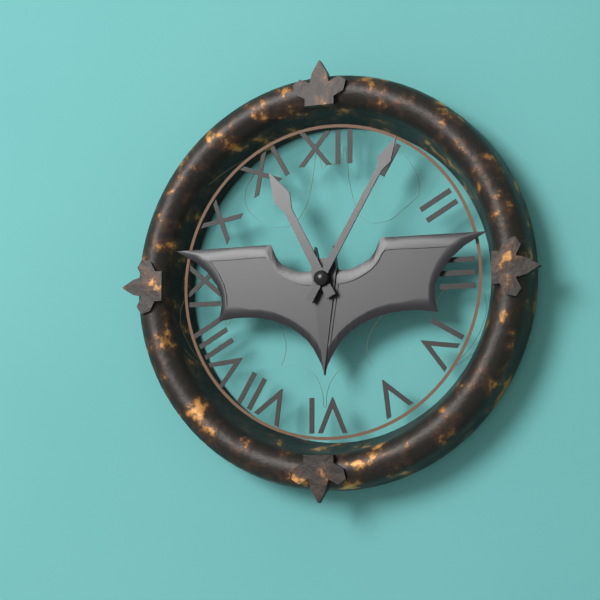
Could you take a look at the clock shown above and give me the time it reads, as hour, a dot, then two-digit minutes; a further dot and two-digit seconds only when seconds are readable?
11.05
